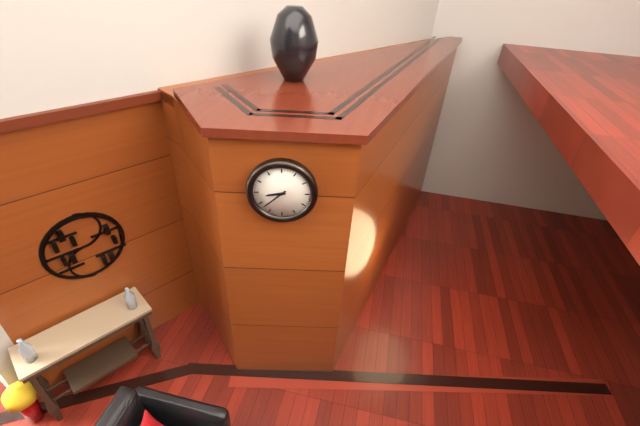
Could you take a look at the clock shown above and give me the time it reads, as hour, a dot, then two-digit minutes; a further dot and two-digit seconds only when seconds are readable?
8.38
